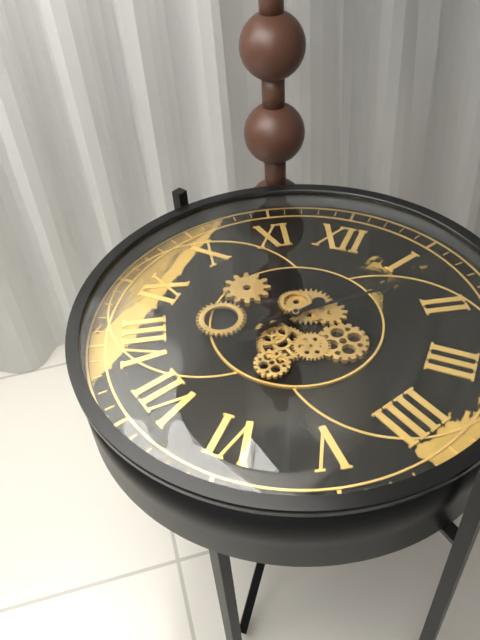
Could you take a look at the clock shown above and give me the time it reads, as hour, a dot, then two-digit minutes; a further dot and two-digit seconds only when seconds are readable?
7.08
